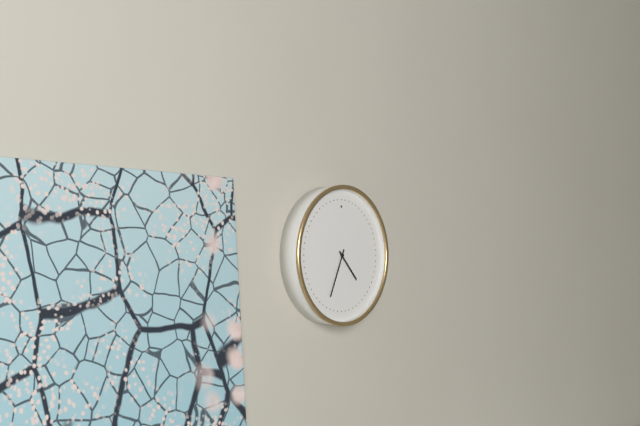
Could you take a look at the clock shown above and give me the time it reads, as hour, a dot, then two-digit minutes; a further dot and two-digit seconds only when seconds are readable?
4.34
